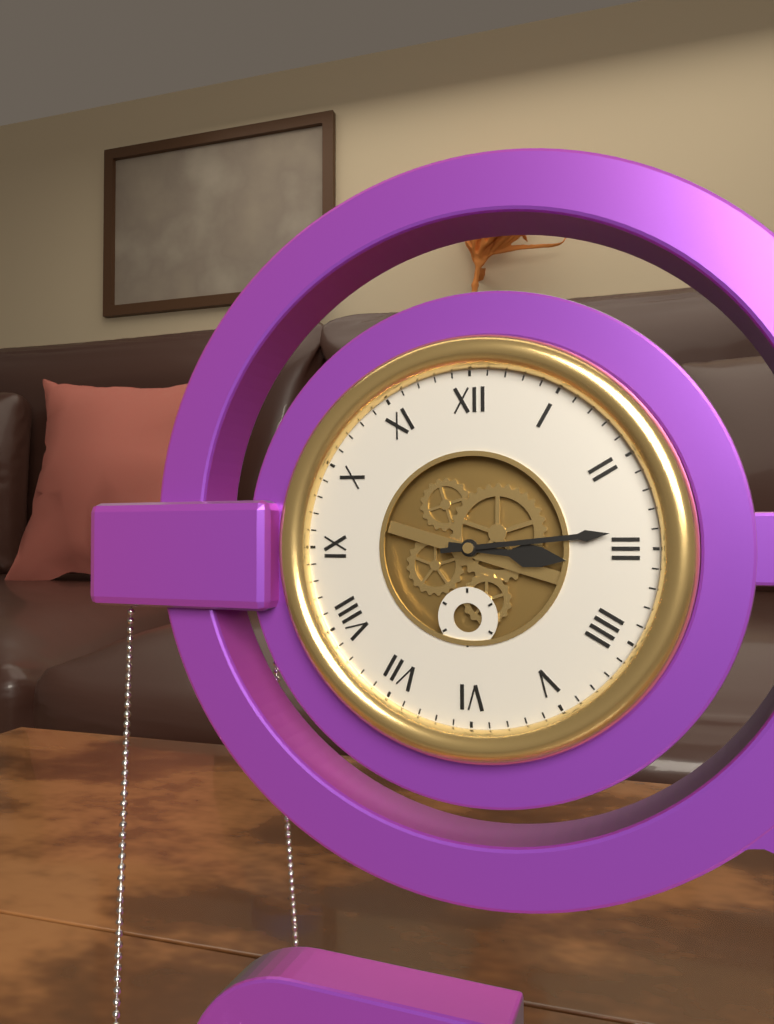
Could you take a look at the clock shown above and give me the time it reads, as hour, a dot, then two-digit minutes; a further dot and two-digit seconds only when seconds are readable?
3.14
